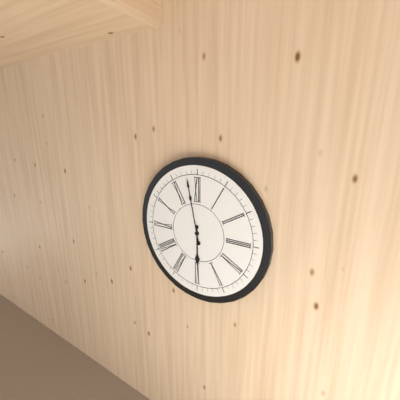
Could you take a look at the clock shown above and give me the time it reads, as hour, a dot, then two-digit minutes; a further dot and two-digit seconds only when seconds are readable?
5.58
